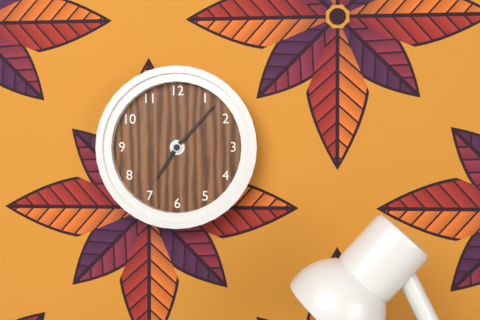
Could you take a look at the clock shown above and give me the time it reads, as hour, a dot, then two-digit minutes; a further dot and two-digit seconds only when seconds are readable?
7.07
